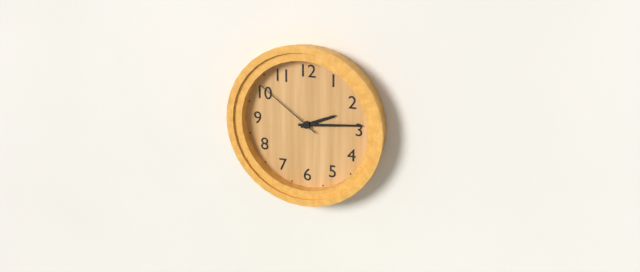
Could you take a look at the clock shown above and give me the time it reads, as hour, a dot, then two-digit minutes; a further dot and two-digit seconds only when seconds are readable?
2.14.51
